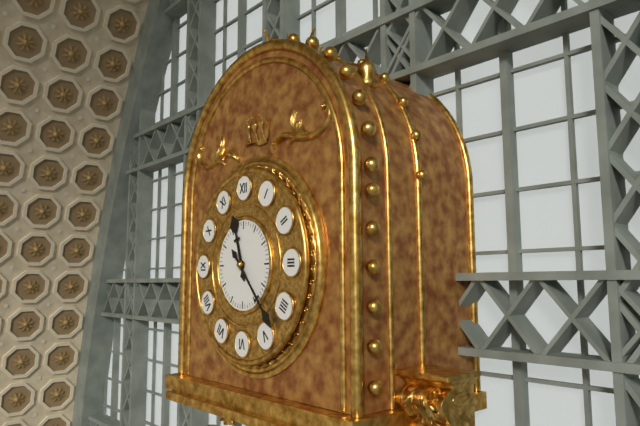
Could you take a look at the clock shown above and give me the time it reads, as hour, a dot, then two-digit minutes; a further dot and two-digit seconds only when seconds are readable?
11.23
